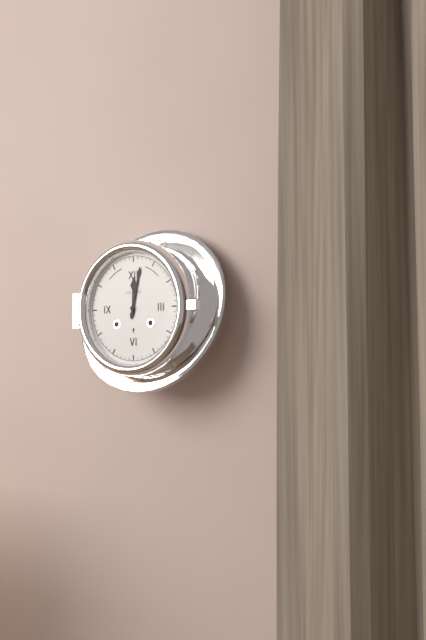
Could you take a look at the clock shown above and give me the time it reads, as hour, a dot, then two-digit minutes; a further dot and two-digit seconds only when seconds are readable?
12.02
